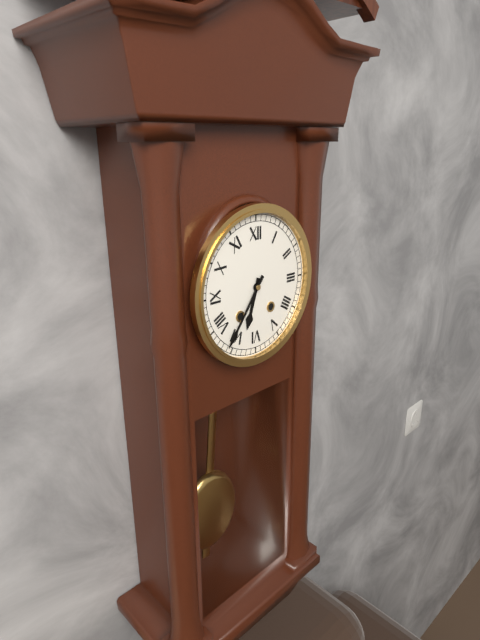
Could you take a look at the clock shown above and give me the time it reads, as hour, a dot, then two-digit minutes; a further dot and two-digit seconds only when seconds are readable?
6.36
